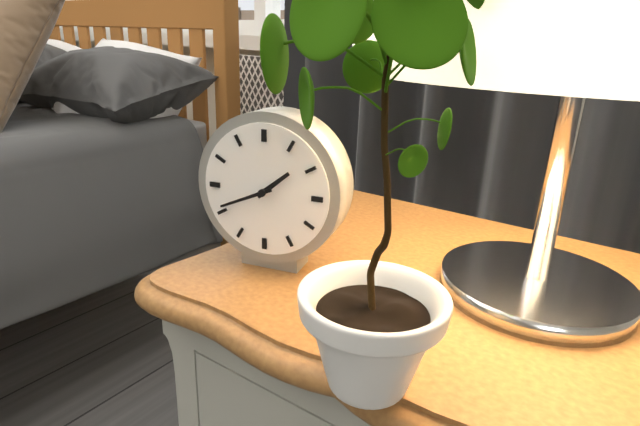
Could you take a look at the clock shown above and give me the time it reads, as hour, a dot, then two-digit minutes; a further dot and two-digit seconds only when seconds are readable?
1.41
